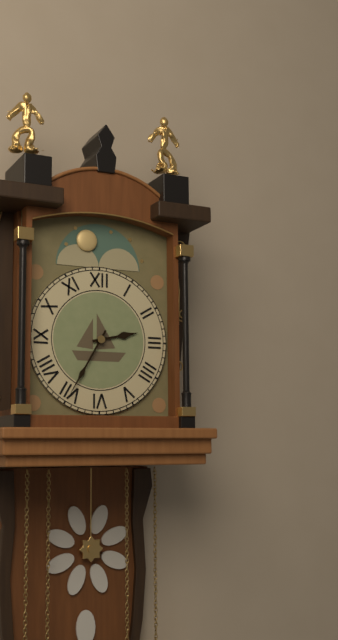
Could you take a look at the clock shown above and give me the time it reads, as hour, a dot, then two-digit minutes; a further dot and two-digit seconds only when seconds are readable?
2.35
